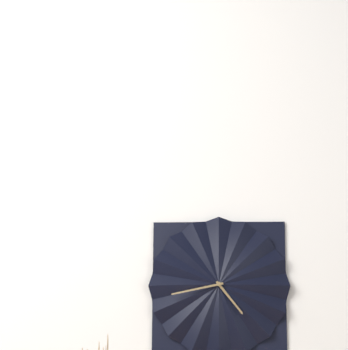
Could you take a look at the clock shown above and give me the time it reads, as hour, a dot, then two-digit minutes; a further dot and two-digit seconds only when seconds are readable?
4.43
